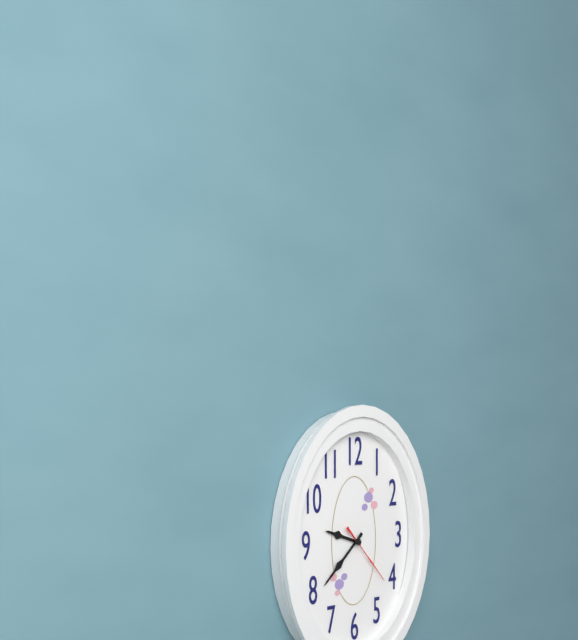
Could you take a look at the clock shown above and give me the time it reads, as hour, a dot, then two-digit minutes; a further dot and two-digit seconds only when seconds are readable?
9.38.23
